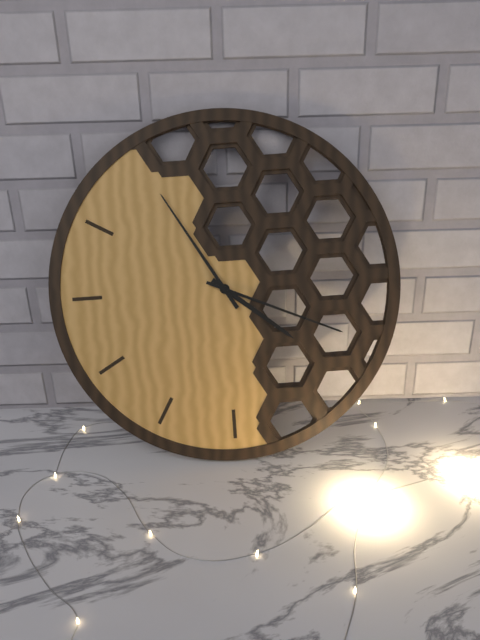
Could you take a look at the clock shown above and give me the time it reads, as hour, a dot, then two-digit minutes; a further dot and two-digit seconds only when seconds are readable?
4.19.55
